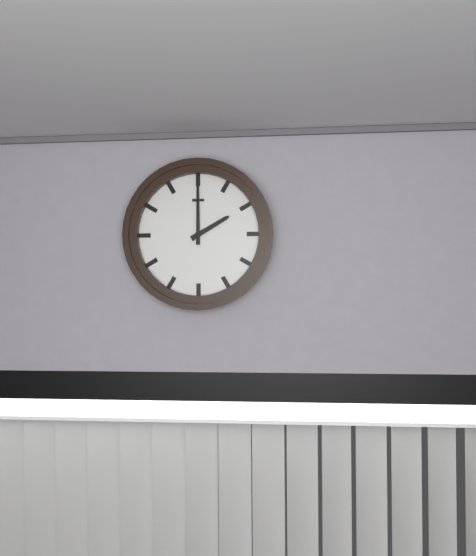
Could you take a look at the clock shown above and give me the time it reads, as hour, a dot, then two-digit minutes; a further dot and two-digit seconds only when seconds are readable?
2.00
